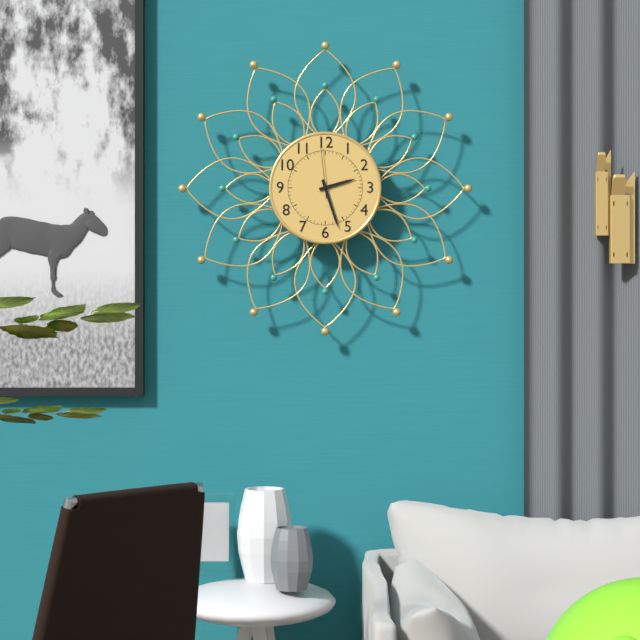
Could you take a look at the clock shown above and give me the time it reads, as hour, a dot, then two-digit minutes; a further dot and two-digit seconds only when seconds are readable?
2.27.59
